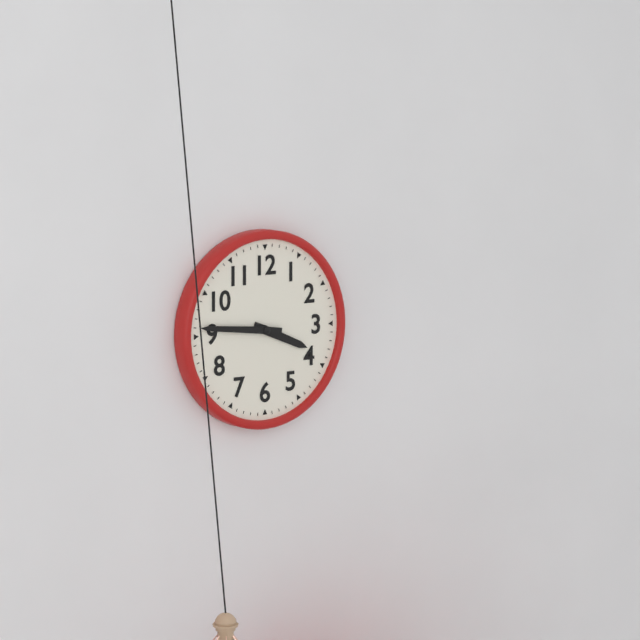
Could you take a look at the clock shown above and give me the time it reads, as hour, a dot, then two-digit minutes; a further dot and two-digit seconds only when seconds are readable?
3.46
